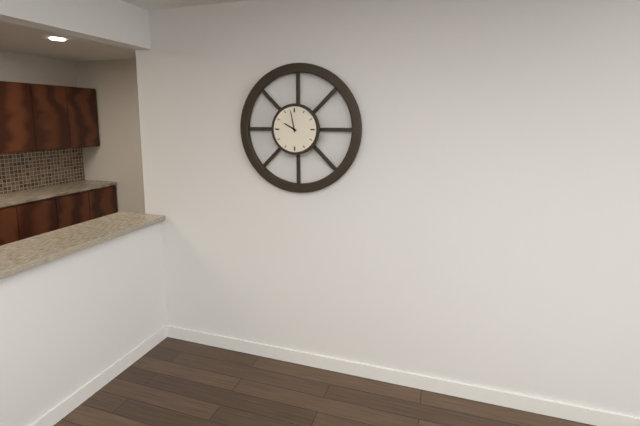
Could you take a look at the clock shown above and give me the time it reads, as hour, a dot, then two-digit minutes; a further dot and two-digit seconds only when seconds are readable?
9.58
